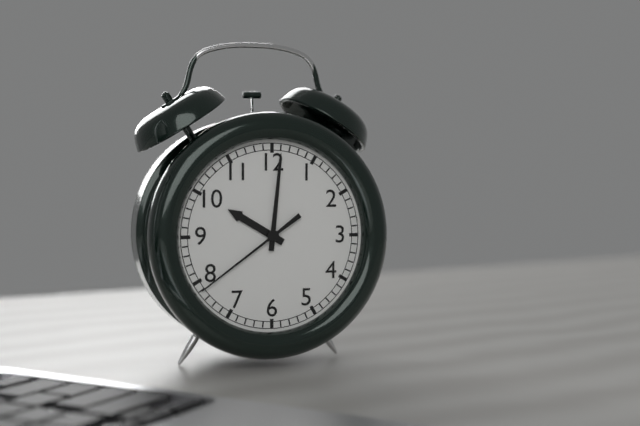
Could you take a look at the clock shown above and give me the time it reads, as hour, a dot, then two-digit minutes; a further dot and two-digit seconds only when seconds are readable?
10.01.39
